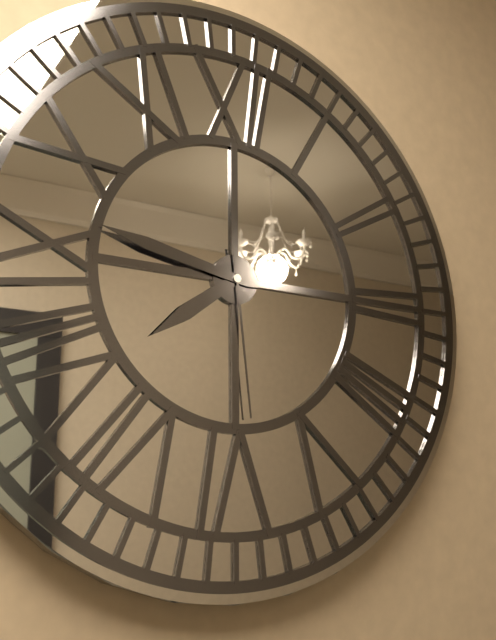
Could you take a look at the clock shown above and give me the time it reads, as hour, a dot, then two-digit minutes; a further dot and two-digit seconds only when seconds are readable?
7.47.29
